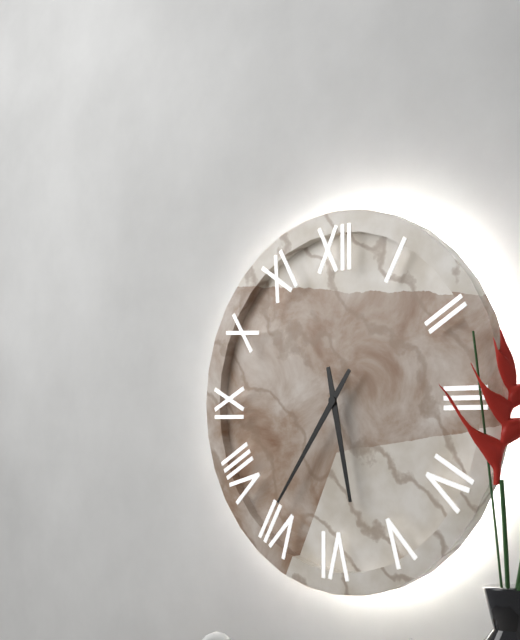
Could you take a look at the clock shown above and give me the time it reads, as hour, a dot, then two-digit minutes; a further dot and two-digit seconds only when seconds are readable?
5.36
